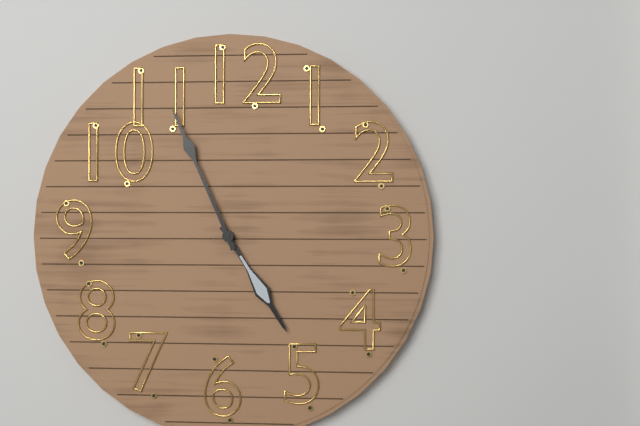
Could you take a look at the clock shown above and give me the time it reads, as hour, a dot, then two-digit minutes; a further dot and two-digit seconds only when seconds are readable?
4.56
